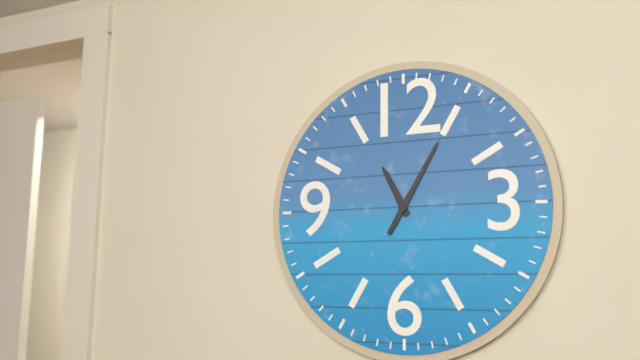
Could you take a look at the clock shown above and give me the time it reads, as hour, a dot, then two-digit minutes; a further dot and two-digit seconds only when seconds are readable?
11.05
